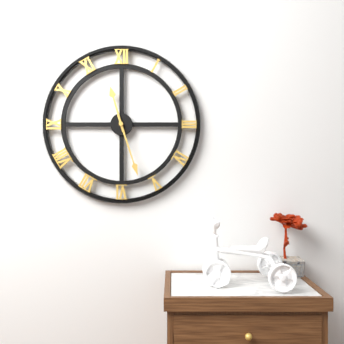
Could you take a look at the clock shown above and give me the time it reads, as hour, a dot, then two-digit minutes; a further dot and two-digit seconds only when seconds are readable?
11.27
